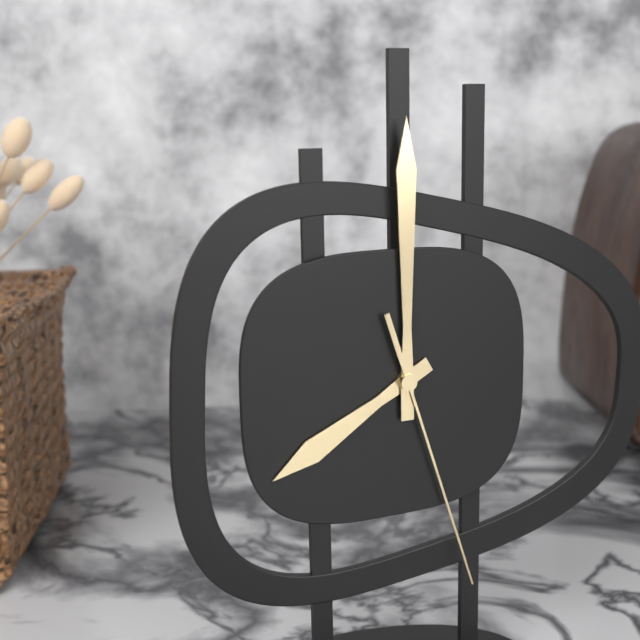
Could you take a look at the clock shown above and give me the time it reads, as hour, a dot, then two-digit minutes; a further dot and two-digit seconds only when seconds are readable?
8.00.27
